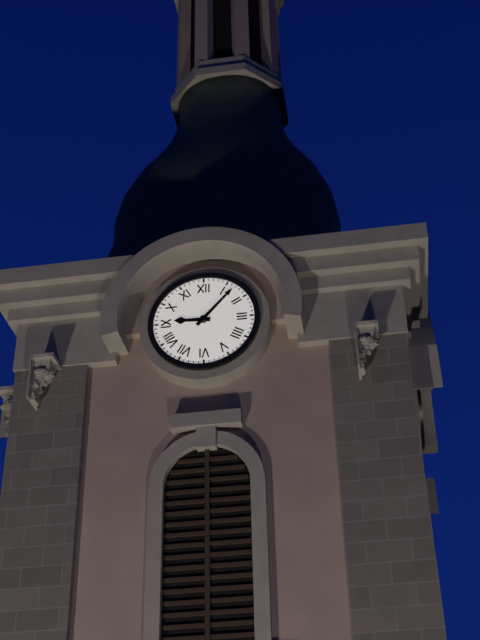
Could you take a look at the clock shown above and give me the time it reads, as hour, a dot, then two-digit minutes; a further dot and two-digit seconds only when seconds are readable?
9.07
